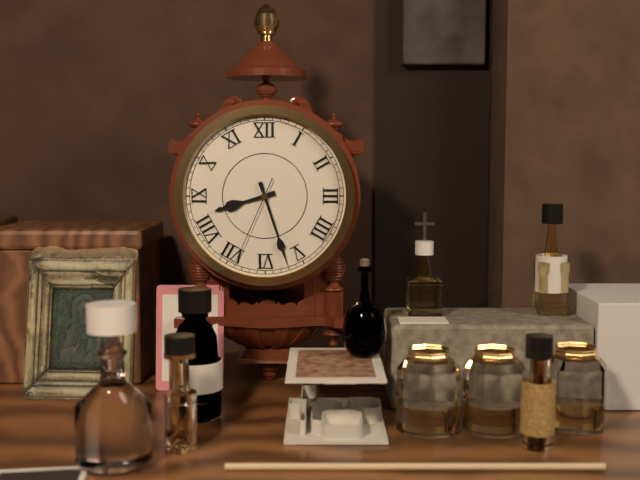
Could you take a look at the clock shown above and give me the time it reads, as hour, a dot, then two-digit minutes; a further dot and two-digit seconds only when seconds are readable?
8.27.34
